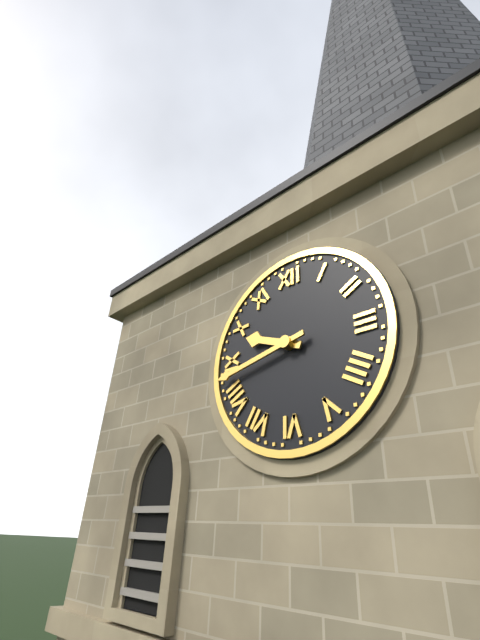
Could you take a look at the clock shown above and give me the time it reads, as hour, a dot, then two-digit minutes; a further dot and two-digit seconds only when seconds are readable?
9.43
